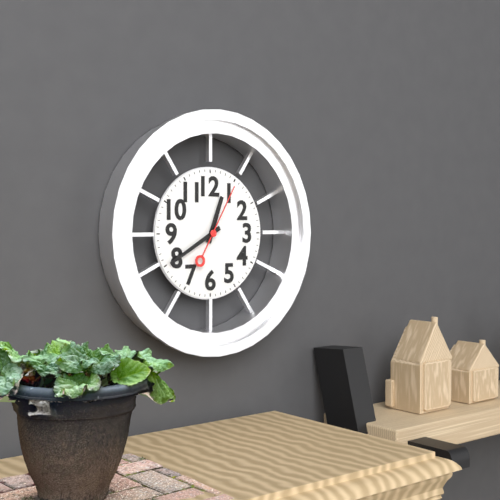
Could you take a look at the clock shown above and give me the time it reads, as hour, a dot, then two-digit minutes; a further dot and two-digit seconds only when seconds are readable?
12.40.05
